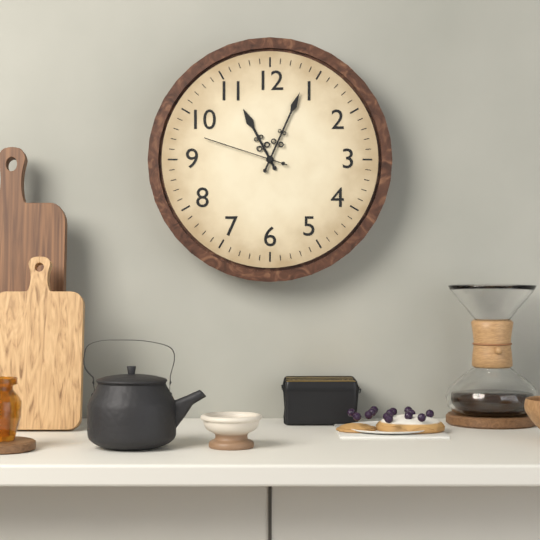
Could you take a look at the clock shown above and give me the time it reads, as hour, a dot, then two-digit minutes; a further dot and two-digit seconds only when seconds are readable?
11.04.48
